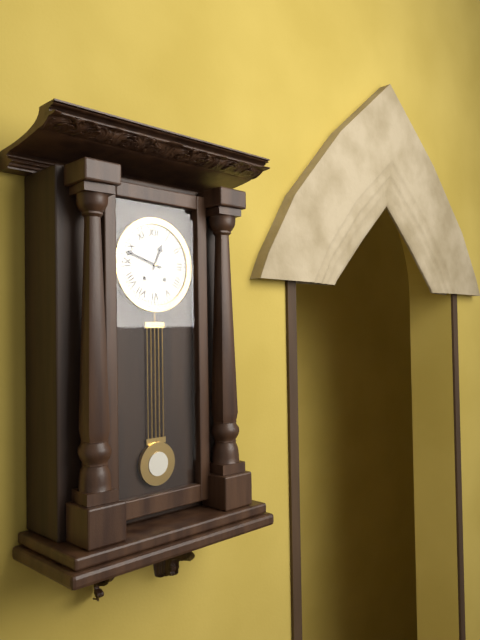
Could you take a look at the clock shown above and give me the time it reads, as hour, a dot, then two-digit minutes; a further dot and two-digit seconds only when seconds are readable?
12.48
